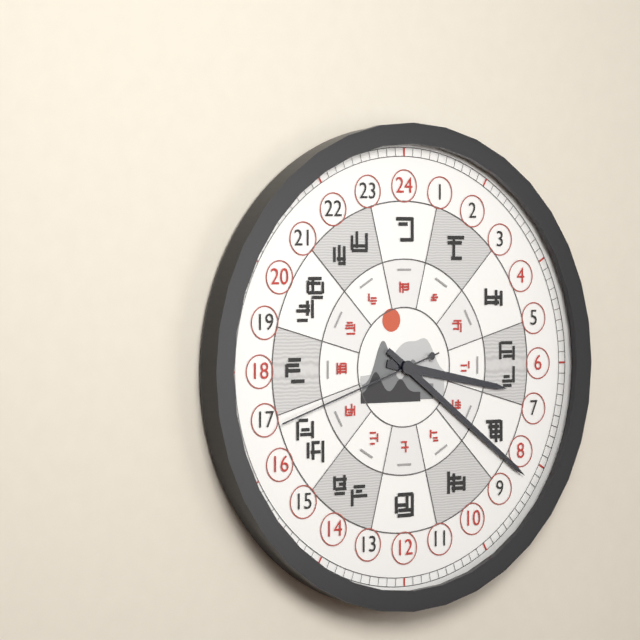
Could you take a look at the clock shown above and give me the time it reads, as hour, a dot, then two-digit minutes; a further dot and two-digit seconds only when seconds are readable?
3.21.42
